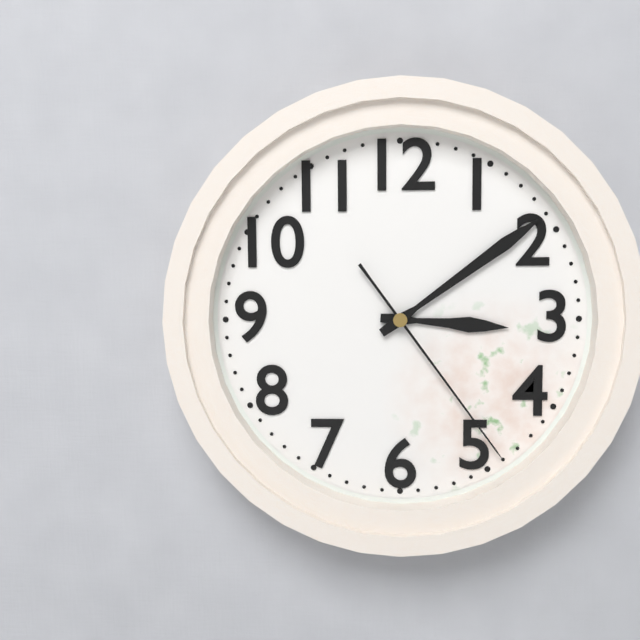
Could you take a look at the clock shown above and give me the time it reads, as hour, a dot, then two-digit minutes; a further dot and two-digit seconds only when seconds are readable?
3.09.24
